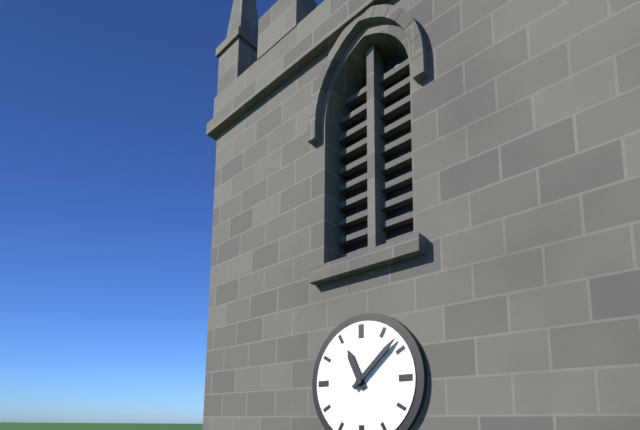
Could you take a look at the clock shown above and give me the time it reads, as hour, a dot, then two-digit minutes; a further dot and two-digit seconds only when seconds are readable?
11.08
